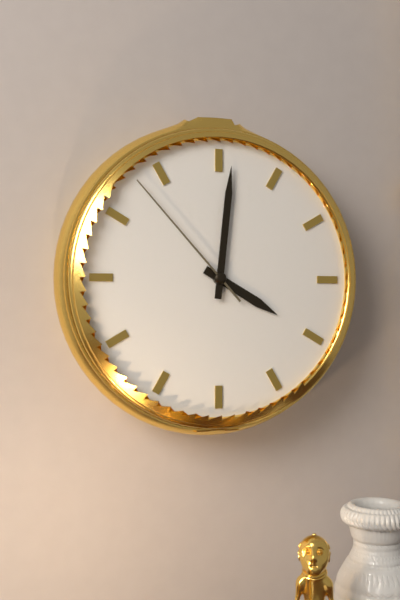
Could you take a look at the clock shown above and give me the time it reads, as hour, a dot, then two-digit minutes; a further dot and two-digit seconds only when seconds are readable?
4.01.53
